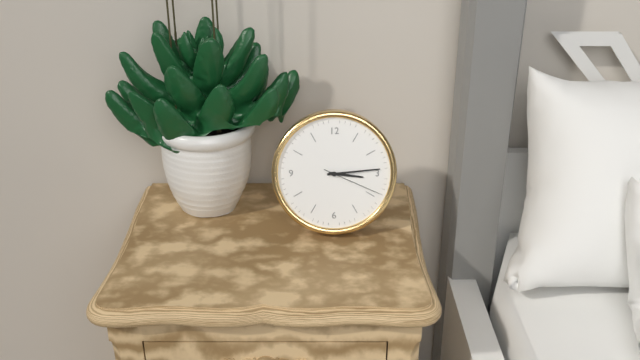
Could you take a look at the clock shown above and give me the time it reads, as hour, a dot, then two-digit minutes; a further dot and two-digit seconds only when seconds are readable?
3.14.19
